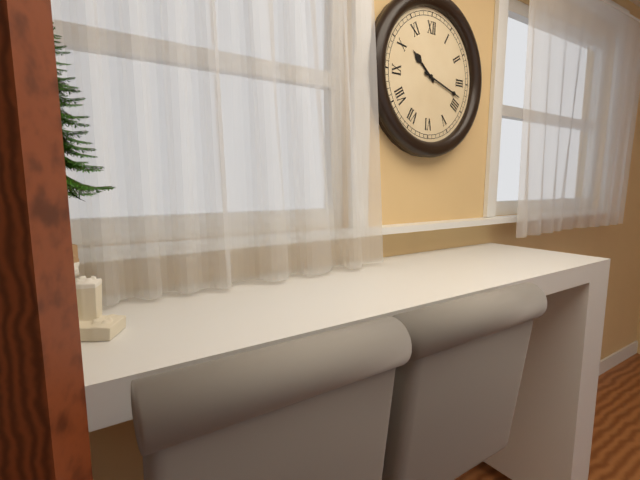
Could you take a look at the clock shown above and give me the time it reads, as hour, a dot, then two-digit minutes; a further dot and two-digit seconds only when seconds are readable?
10.18
